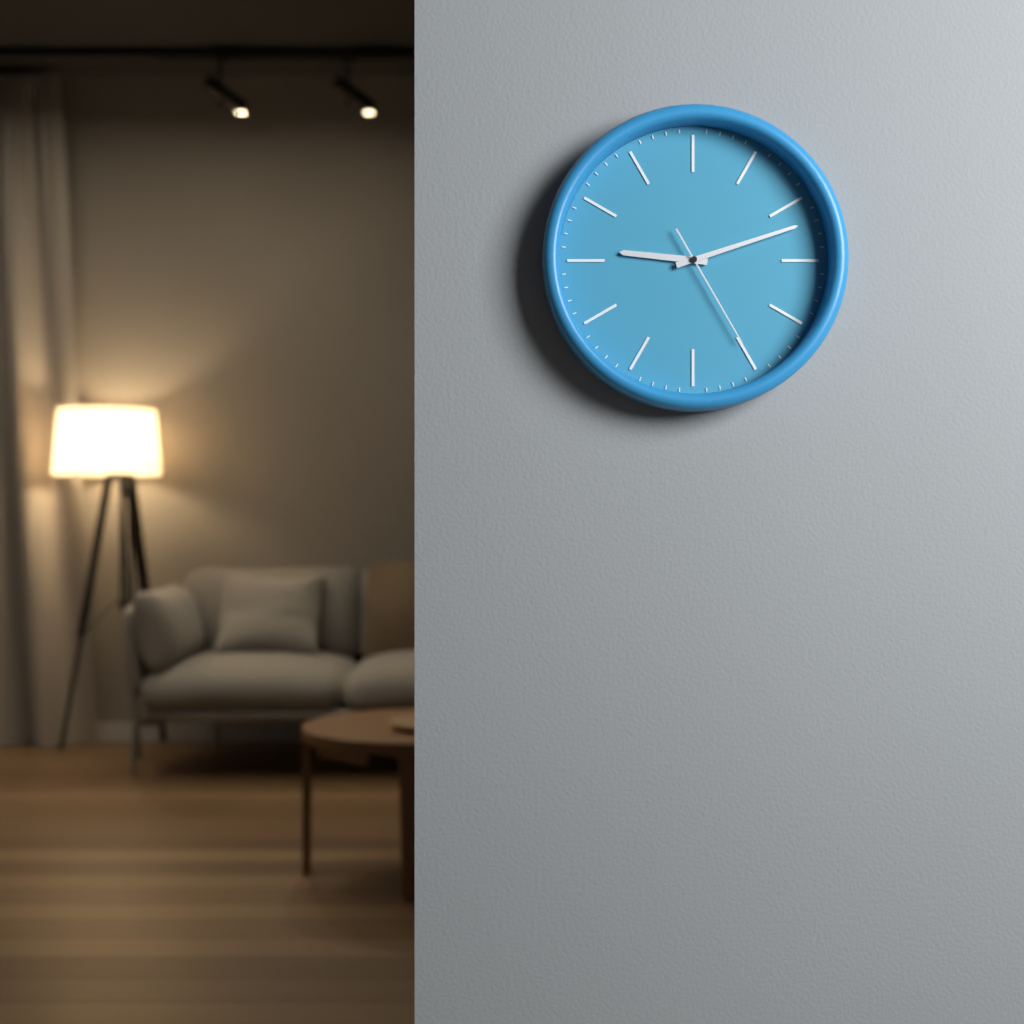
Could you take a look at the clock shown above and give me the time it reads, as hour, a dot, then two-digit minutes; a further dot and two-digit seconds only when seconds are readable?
9.12.25
